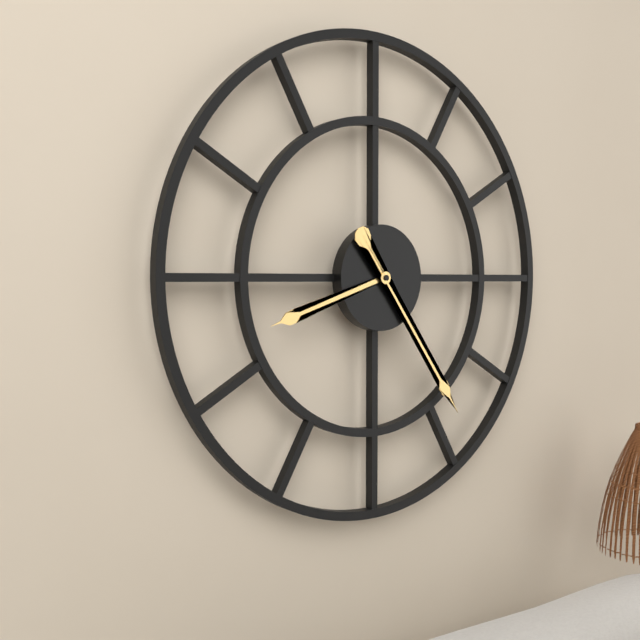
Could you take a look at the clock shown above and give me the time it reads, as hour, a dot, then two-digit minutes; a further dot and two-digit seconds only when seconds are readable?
8.24
